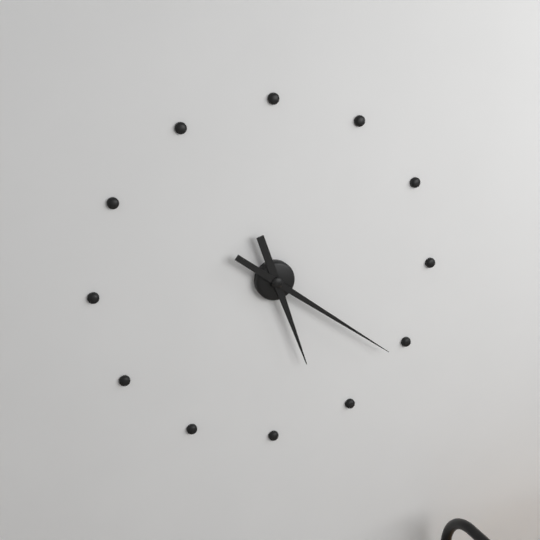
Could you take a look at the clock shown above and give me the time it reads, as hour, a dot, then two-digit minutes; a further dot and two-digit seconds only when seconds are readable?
5.21
